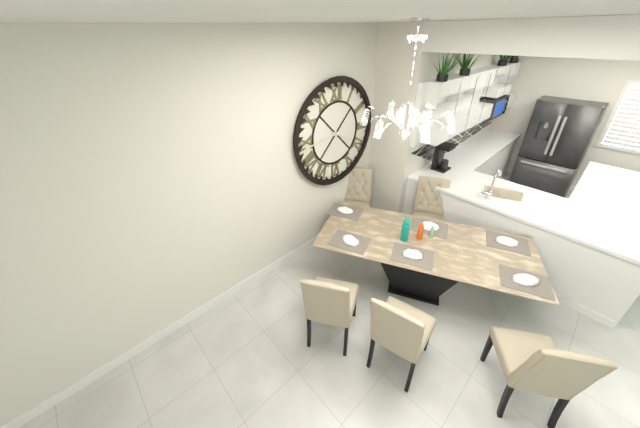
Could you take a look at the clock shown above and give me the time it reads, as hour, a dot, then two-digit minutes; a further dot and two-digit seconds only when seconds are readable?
3.44
